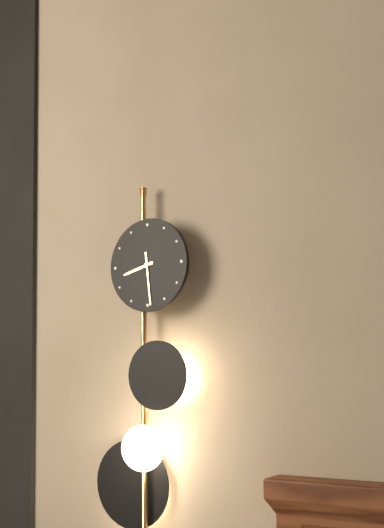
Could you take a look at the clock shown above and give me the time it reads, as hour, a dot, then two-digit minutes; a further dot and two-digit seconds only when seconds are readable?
8.29
